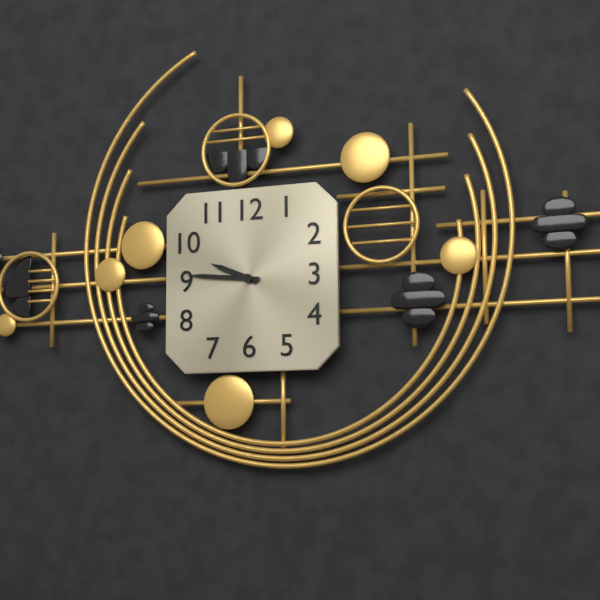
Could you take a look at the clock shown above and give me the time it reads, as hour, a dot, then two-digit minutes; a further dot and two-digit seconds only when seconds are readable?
9.46
